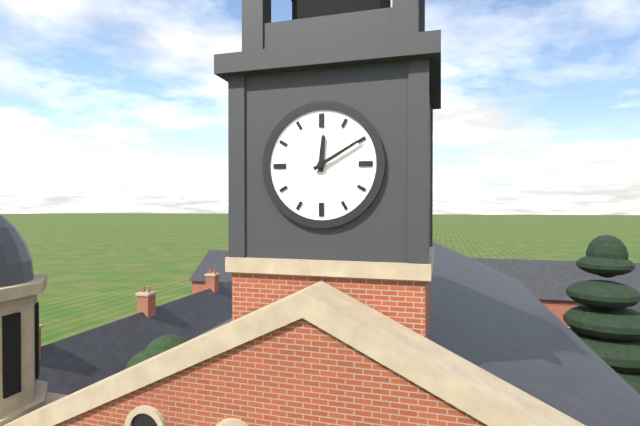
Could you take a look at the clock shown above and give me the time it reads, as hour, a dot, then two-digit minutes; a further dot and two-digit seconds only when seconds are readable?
12.10
